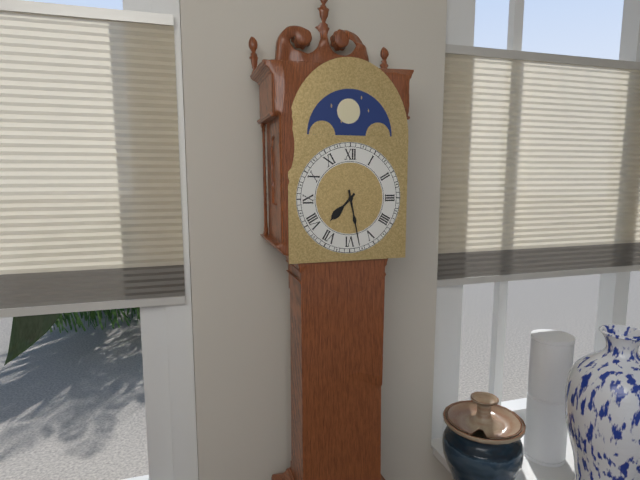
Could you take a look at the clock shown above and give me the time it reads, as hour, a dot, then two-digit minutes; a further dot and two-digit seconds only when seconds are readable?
7.28
